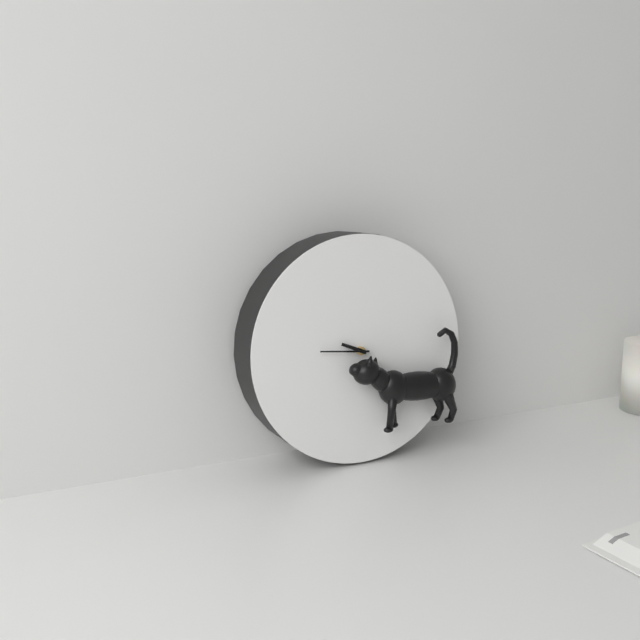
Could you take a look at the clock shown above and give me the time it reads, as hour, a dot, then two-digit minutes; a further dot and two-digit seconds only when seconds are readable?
9.46
